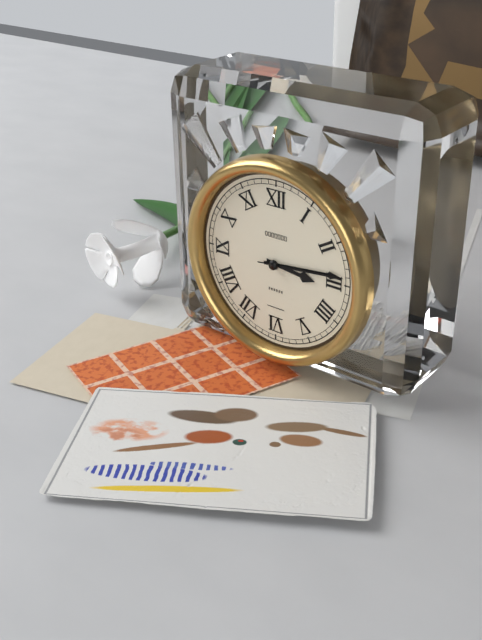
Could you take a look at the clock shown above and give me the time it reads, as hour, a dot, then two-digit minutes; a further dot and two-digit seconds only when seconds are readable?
3.14.14
